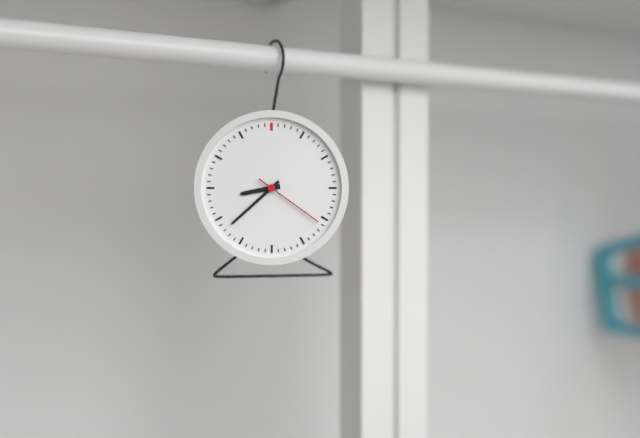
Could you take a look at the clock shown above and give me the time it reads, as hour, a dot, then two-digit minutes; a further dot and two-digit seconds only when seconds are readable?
8.38.21
